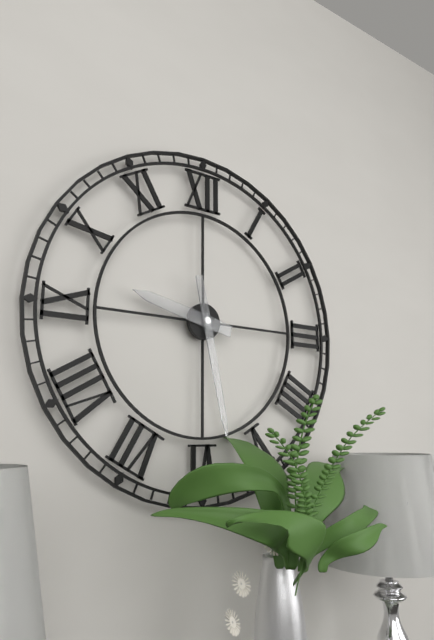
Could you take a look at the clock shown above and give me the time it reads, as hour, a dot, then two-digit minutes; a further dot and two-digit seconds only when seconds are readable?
9.28
